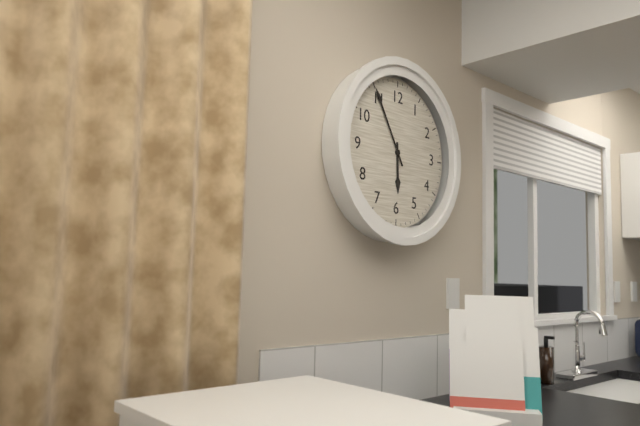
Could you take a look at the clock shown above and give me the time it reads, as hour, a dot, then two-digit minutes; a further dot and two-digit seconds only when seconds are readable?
5.55
